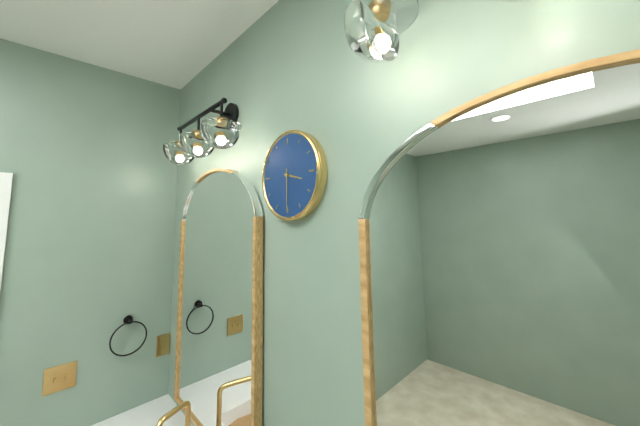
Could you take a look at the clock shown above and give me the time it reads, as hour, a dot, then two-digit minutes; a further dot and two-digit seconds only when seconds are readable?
3.30
